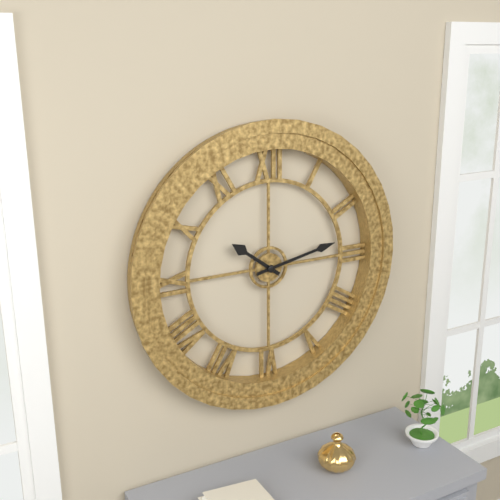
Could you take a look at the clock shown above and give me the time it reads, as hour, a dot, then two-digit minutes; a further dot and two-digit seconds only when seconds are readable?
10.13
